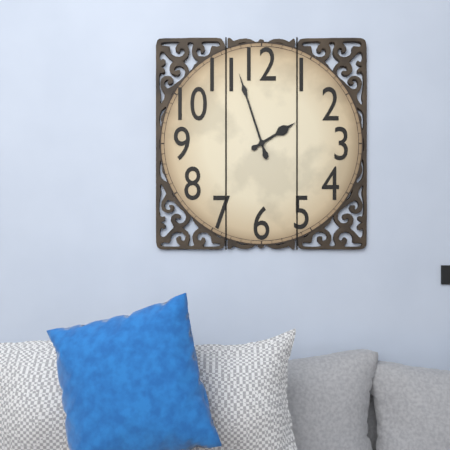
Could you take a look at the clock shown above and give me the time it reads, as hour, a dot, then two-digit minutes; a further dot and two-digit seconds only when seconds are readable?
1.57
